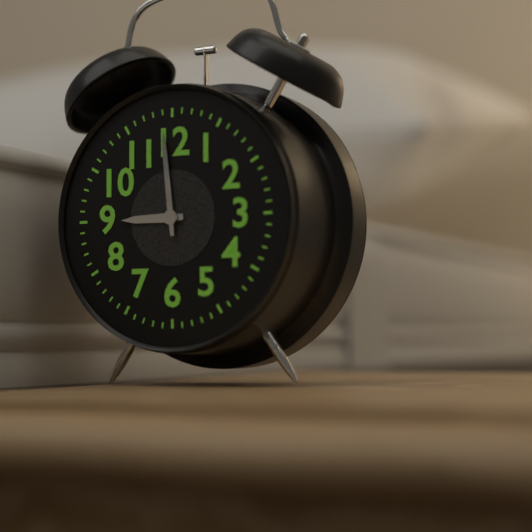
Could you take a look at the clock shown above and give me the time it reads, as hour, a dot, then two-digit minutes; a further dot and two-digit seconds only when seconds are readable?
8.59
